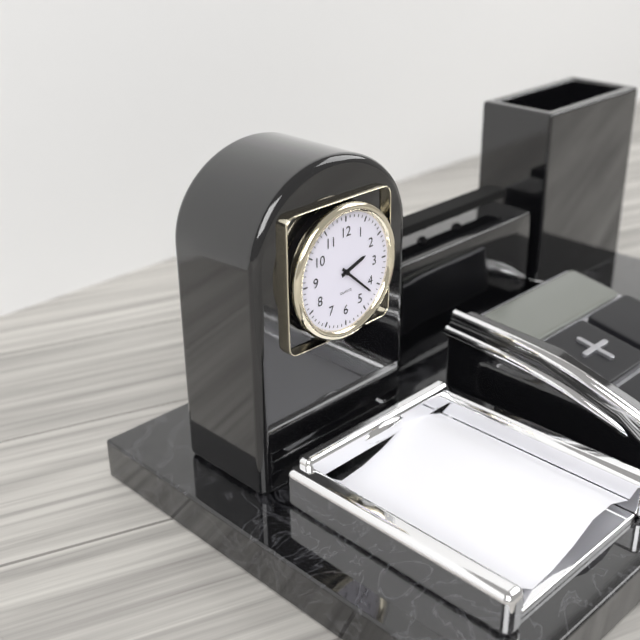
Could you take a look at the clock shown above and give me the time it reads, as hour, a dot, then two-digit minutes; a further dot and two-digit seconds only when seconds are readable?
2.22
